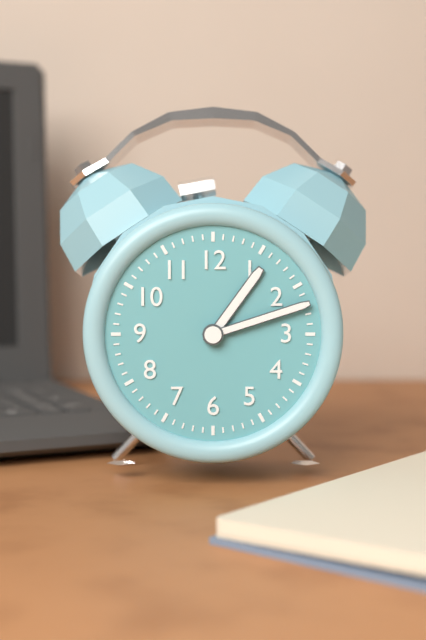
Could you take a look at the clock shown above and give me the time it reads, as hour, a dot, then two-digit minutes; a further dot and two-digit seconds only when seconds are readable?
1.12
